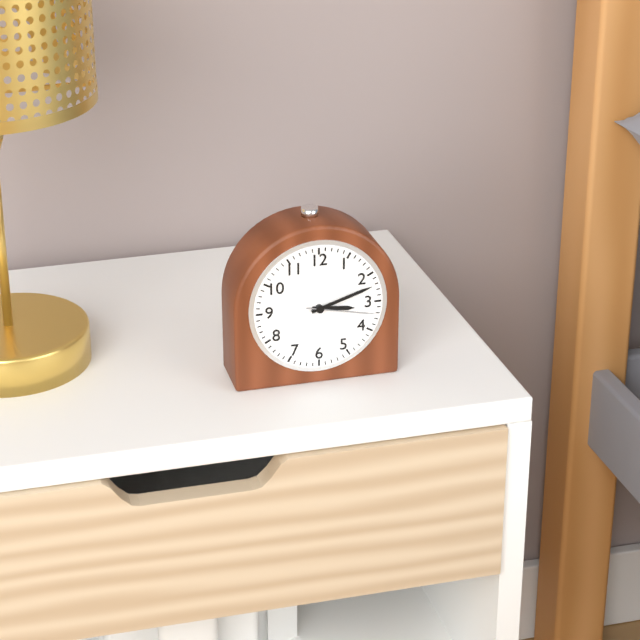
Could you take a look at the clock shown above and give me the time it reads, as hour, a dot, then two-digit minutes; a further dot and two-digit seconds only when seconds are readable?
3.12.17
